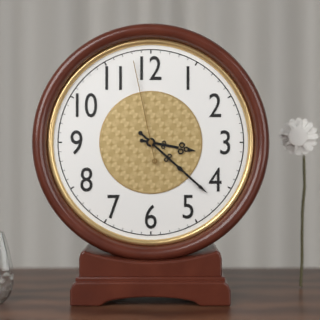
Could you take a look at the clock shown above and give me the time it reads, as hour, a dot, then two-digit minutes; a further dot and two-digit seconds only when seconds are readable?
3.22.58
